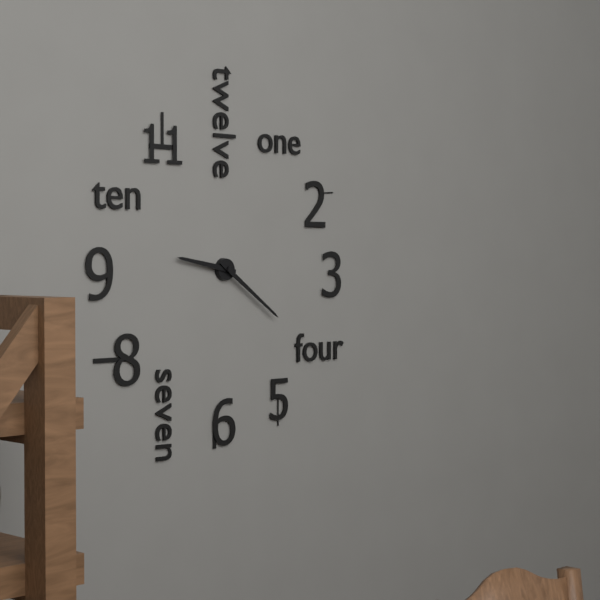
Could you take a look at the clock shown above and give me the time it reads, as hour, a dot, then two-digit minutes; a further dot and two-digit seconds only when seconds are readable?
9.21
